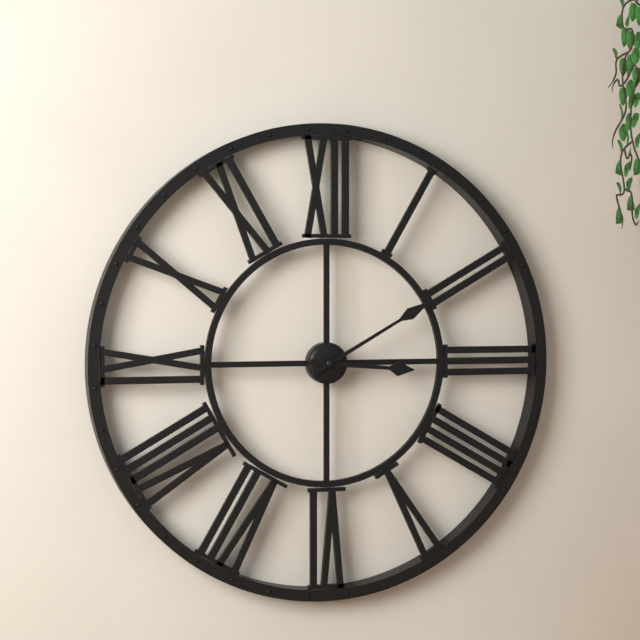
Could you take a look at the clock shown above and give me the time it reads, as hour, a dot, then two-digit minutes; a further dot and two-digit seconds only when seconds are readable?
3.10
